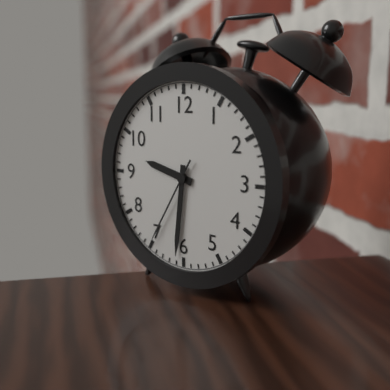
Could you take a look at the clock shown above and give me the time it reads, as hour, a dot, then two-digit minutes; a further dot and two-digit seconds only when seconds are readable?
9.31.35
